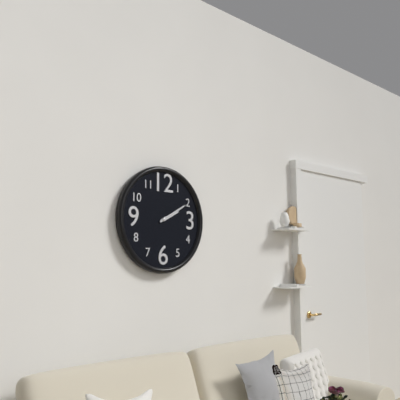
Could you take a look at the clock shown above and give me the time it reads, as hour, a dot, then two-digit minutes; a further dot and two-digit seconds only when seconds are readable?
2.10
